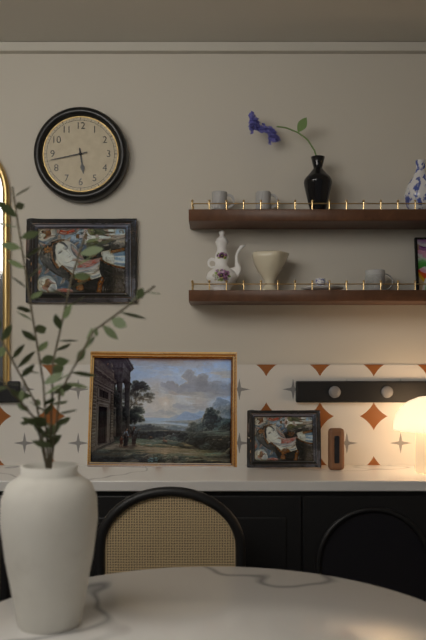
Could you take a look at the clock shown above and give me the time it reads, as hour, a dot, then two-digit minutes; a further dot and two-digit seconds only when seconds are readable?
5.43
